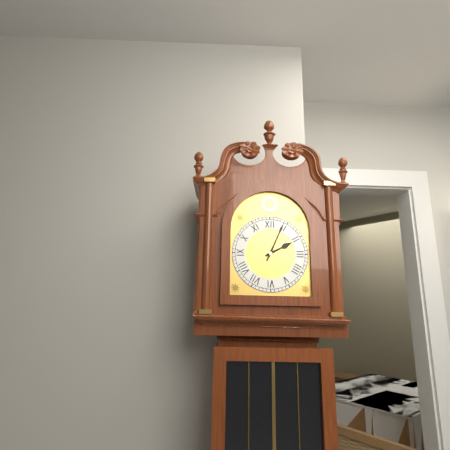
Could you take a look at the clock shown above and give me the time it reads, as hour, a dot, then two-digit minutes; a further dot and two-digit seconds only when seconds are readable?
2.04
